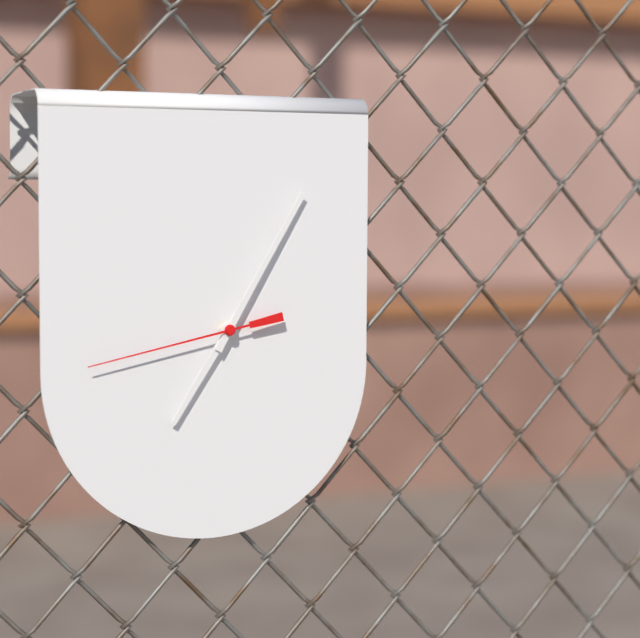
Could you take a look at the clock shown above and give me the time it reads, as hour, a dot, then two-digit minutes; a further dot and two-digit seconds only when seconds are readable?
7.05.43
